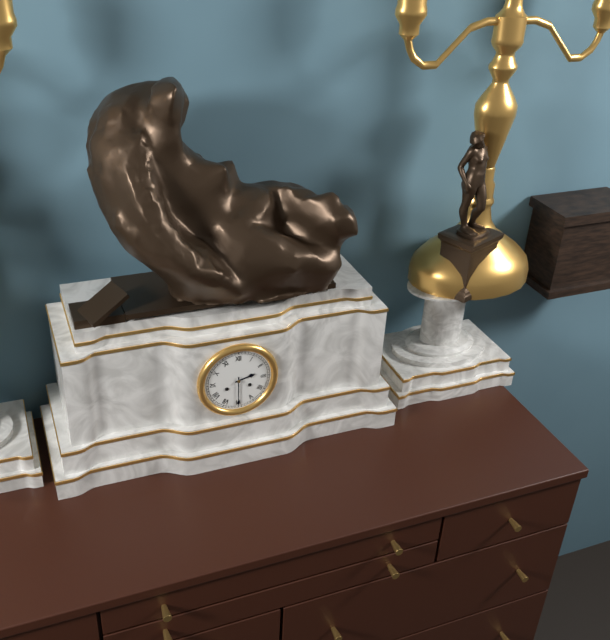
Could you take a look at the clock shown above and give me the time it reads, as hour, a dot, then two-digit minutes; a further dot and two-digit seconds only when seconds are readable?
2.30
